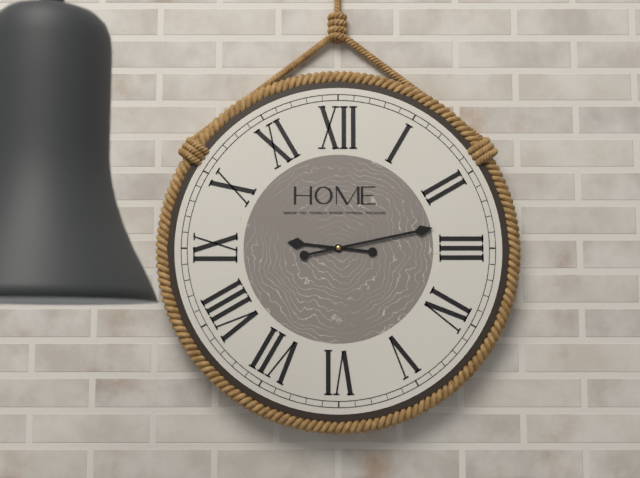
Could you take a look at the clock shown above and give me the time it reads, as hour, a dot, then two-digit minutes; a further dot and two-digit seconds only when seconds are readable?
9.13
